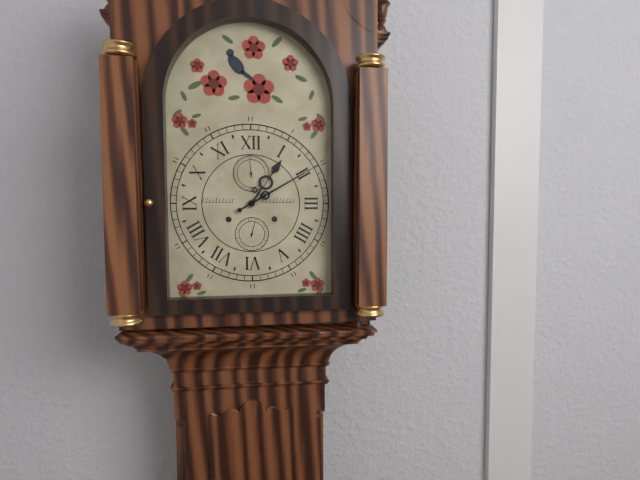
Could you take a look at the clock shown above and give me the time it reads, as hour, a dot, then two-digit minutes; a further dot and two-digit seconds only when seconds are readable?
1.10
